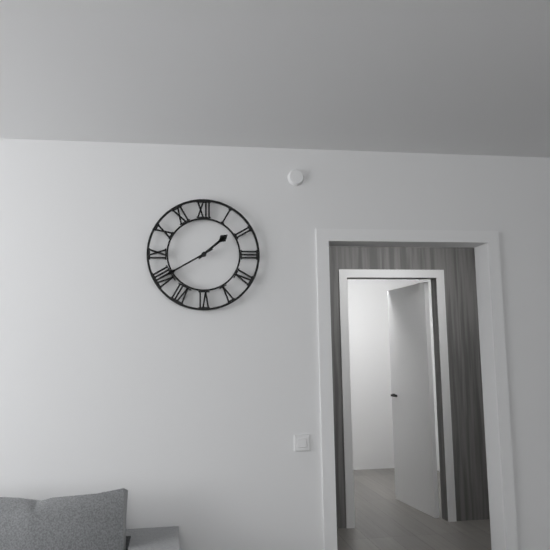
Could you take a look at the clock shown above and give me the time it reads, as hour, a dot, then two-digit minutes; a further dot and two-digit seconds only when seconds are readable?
1.40
